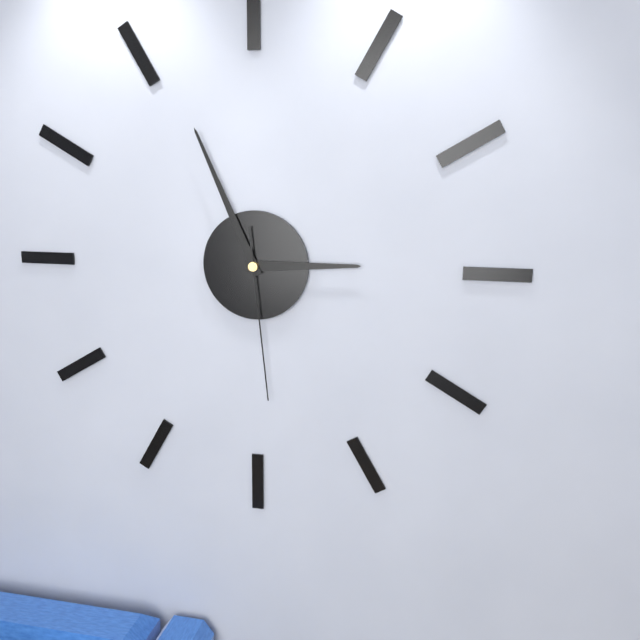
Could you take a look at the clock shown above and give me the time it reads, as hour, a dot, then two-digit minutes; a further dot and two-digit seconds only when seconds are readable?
2.56.29
